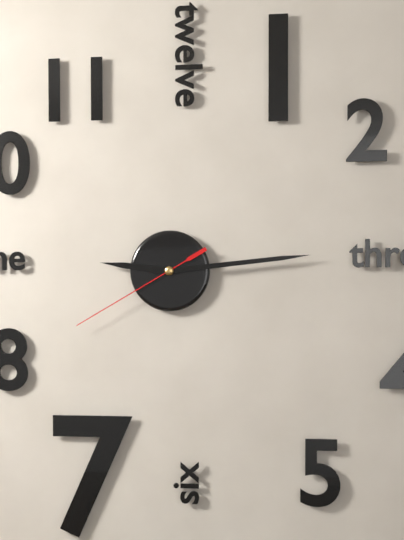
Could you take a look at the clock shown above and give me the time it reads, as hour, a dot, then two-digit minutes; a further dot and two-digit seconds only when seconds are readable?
9.14.40
